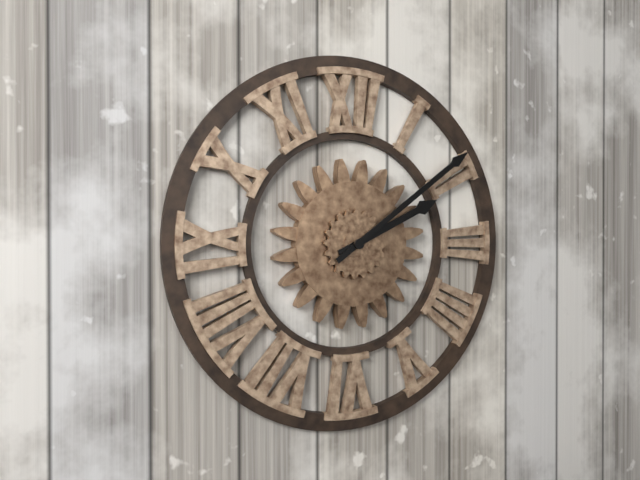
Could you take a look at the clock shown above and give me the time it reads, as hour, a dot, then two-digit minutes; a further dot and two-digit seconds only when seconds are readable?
2.09
